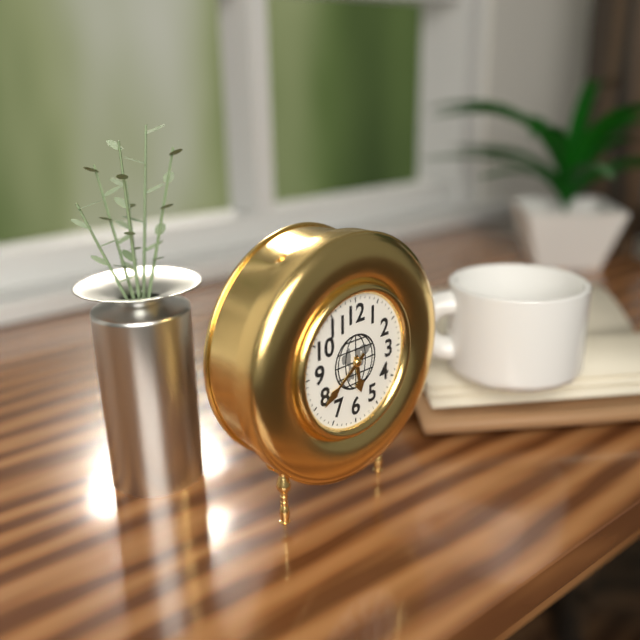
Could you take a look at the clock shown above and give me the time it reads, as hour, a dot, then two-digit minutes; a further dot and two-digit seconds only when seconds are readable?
5.39
